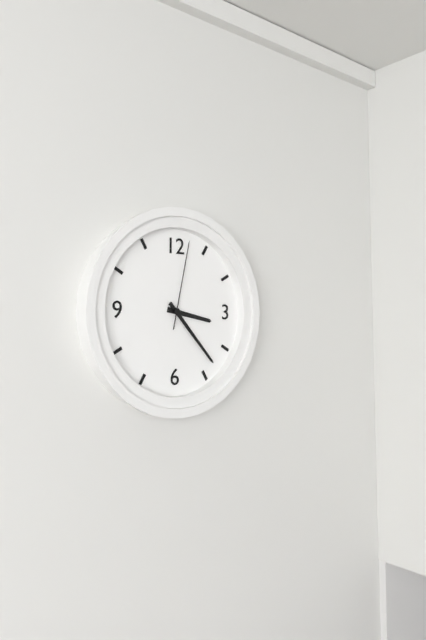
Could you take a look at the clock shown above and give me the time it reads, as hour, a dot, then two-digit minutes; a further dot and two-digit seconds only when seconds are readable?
3.23.02
